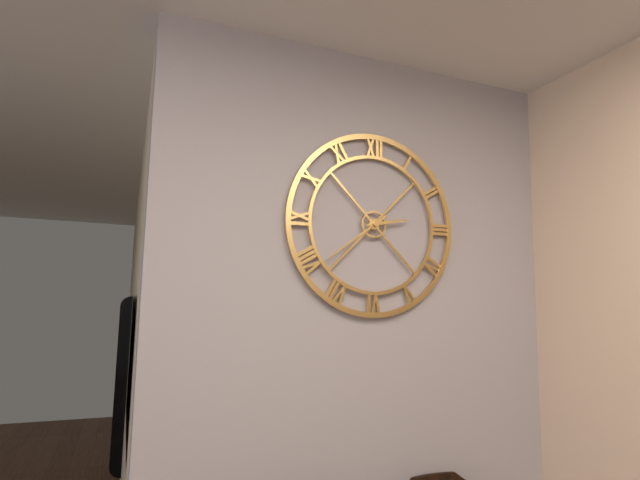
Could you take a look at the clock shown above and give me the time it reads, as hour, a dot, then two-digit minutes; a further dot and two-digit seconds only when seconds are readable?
2.39
